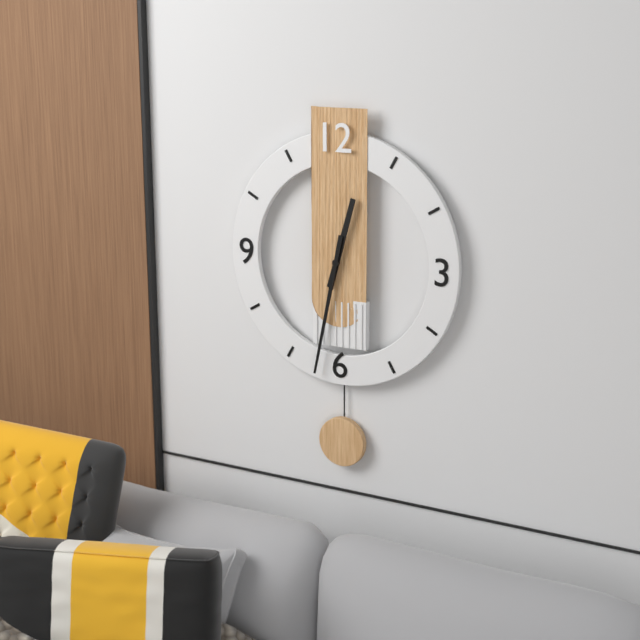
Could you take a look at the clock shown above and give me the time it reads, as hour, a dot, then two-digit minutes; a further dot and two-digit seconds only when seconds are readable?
12.32
